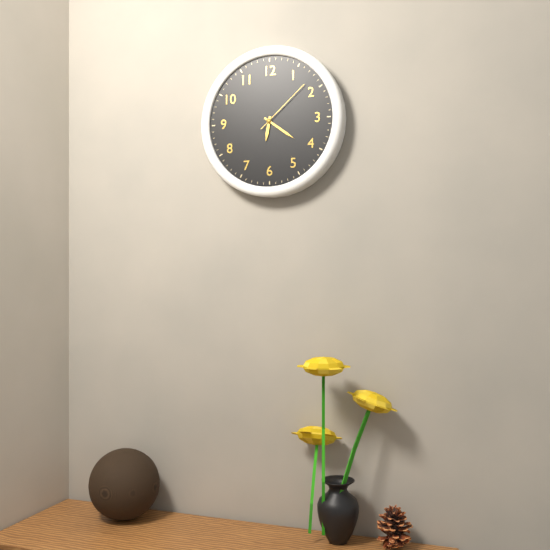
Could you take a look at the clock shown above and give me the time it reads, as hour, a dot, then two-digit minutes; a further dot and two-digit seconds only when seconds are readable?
6.21.08
